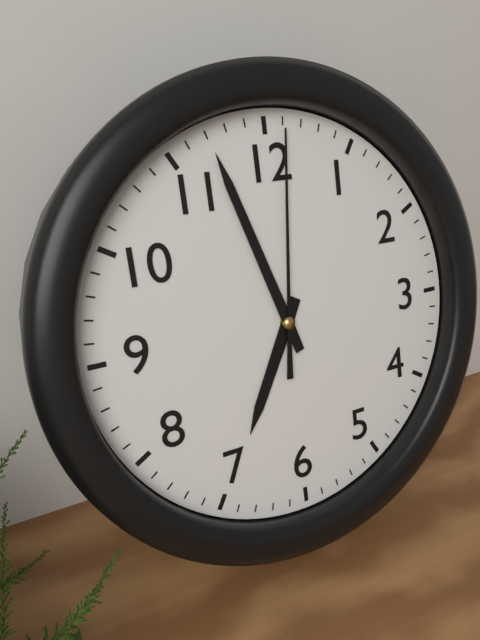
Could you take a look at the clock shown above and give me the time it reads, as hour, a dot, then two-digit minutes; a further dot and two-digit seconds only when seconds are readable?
6.57.01
